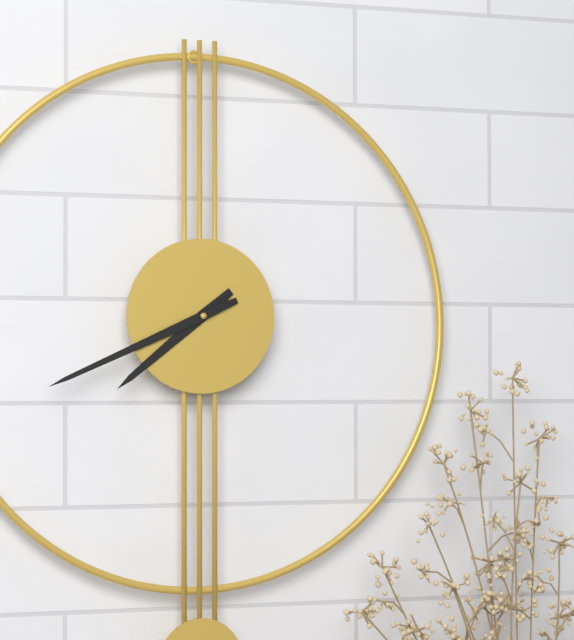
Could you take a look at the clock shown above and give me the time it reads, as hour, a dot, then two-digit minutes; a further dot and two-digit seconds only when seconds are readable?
7.41
